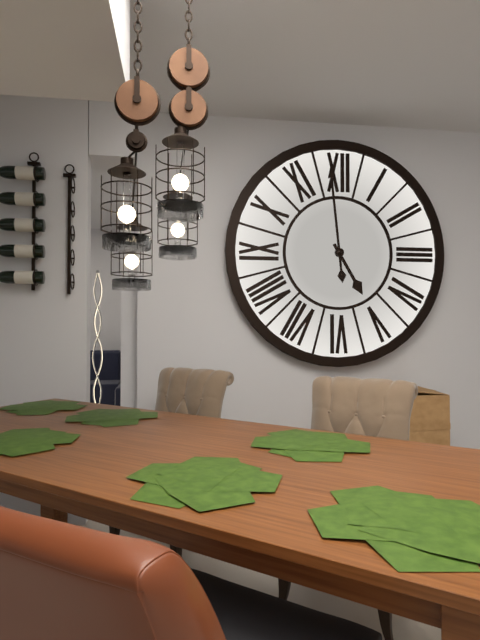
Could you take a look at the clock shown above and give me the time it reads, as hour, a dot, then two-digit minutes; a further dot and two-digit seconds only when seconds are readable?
4.59
